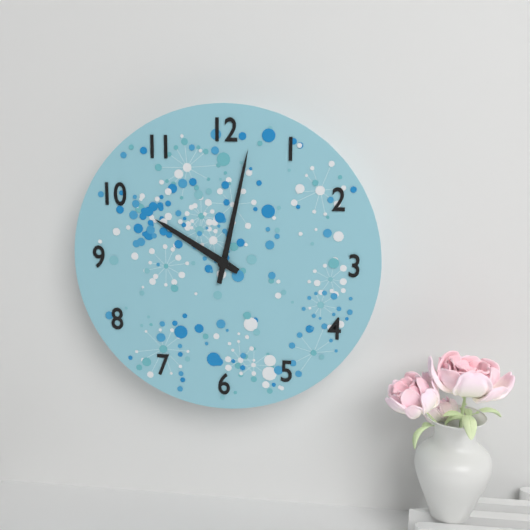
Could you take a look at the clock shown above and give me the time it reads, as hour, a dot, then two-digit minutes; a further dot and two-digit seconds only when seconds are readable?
10.02
